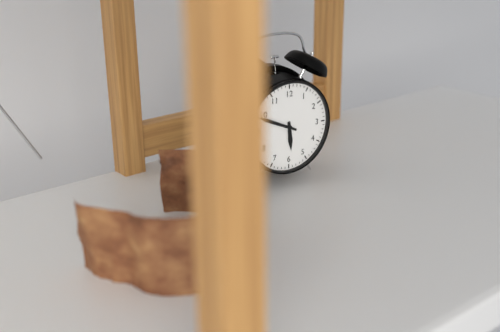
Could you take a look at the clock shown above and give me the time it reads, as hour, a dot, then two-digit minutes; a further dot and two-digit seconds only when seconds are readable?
5.49
